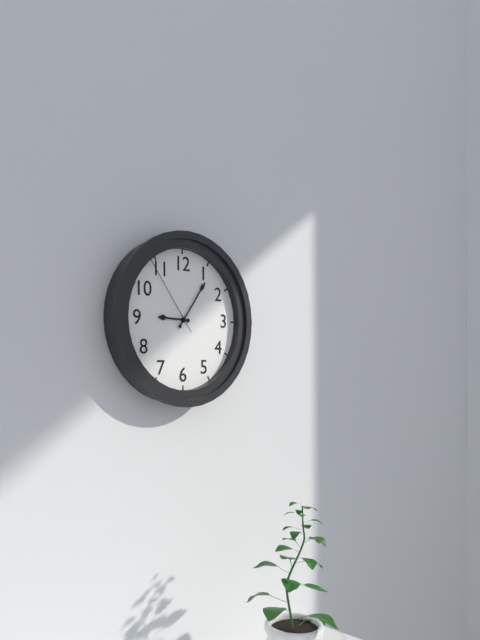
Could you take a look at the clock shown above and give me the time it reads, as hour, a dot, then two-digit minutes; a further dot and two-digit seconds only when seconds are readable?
9.06.54
